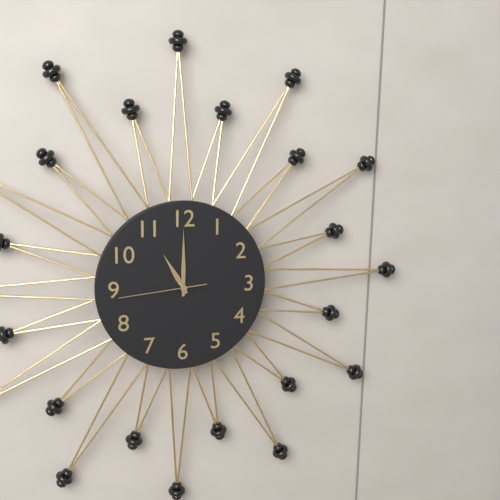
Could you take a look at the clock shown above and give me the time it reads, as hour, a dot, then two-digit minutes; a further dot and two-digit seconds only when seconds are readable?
11.00.44
